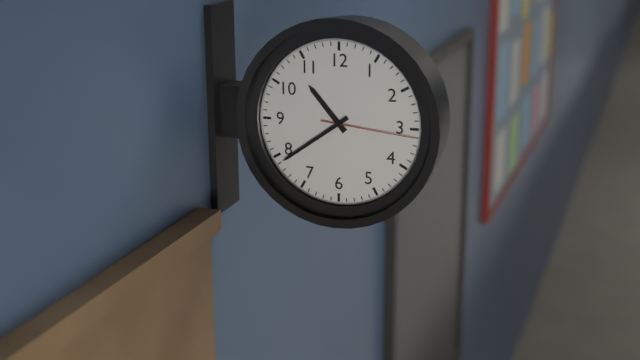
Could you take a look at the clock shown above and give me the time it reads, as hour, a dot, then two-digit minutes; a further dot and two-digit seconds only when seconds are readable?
10.39.16
